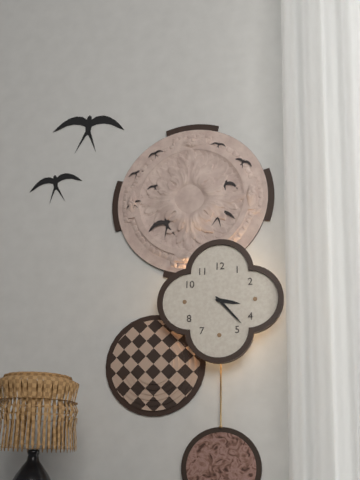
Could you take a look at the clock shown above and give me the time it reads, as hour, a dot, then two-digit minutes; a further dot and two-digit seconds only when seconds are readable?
3.23
